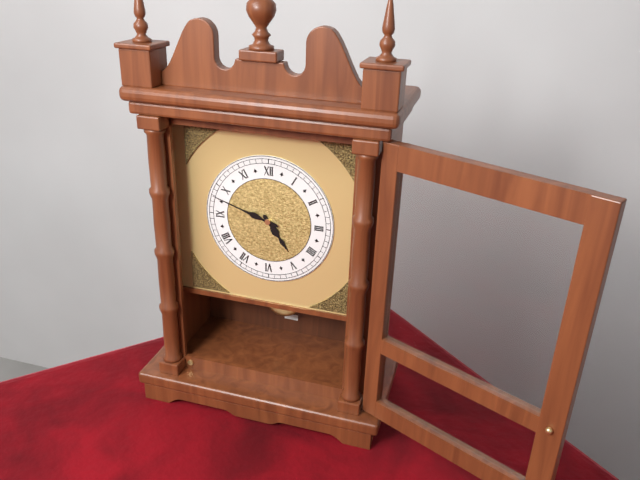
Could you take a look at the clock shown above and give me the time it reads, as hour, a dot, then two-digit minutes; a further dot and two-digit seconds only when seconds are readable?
4.48
